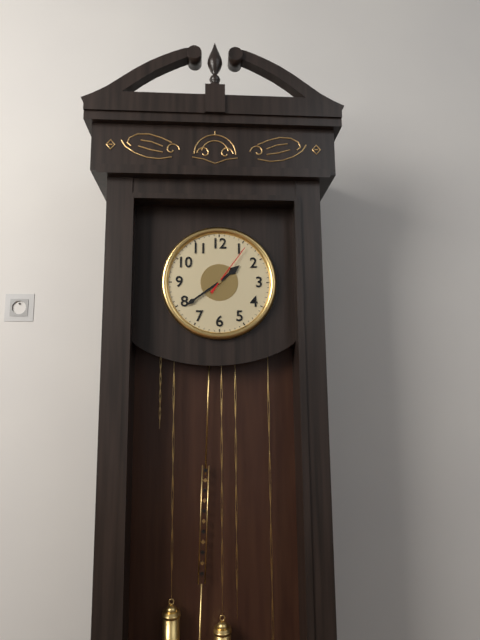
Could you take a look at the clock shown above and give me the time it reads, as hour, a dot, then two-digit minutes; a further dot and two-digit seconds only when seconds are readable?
1.39.06
